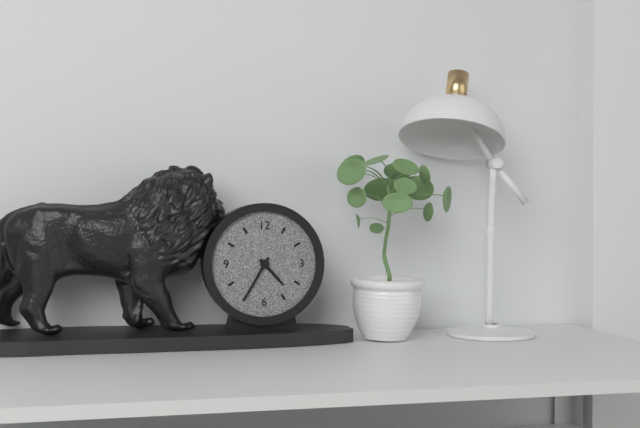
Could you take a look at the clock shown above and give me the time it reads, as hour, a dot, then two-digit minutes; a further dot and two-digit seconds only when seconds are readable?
4.35
